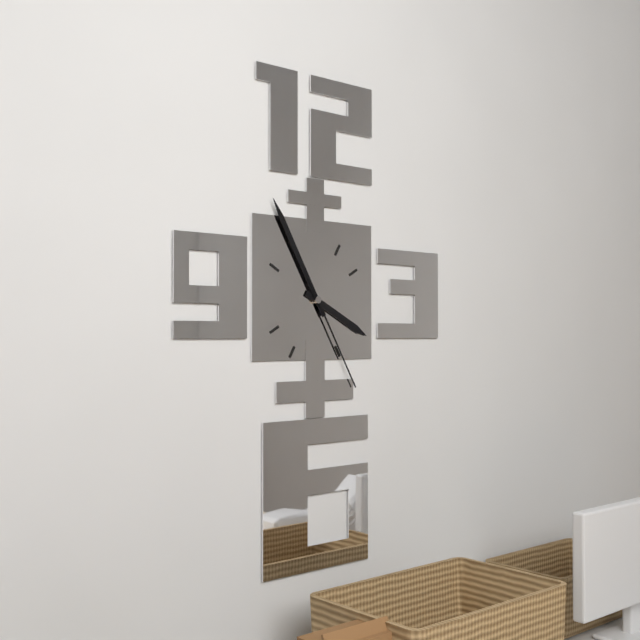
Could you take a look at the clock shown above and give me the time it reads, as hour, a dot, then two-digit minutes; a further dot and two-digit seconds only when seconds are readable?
3.55.25
